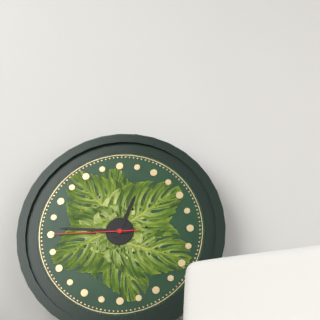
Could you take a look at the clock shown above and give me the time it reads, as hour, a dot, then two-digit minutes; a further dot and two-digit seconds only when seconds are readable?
12.46.45
